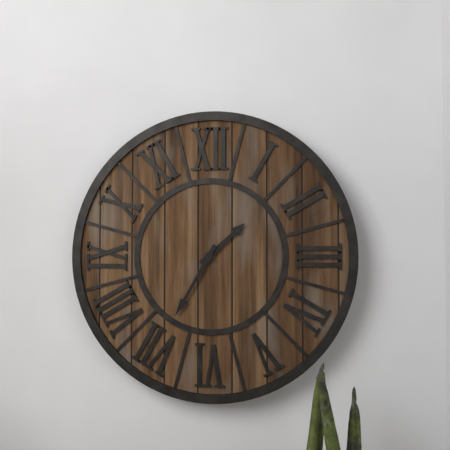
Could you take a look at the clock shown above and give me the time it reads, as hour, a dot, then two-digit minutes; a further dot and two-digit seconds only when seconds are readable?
1.35
